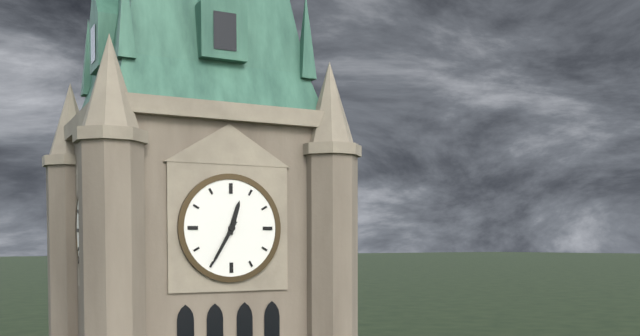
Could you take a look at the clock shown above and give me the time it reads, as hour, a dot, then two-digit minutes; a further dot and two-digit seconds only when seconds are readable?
12.35
